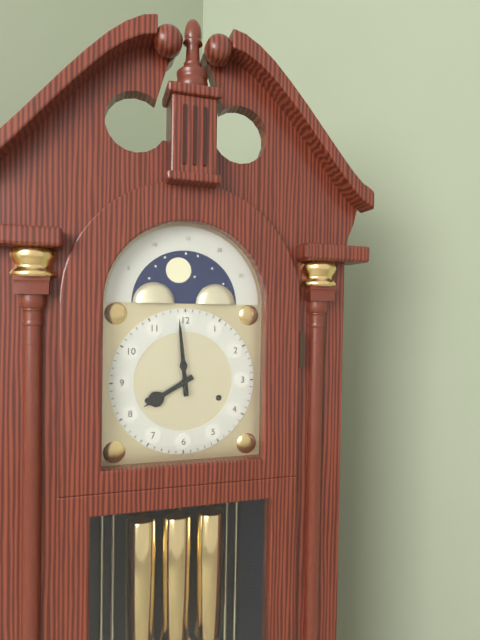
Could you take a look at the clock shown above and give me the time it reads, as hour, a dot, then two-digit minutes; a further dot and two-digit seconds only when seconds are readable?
7.59
